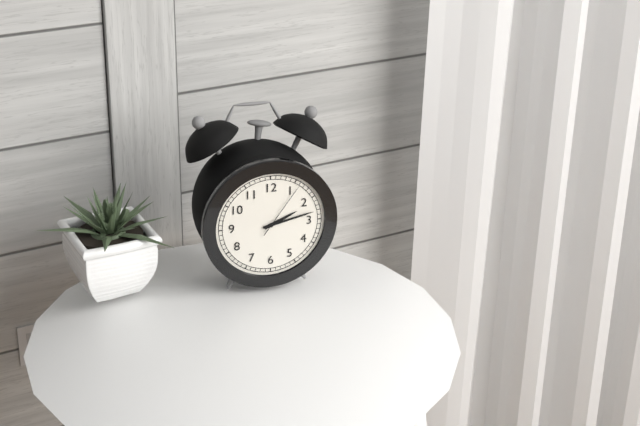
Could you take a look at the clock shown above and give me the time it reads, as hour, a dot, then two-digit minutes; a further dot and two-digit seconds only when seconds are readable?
2.13.06
